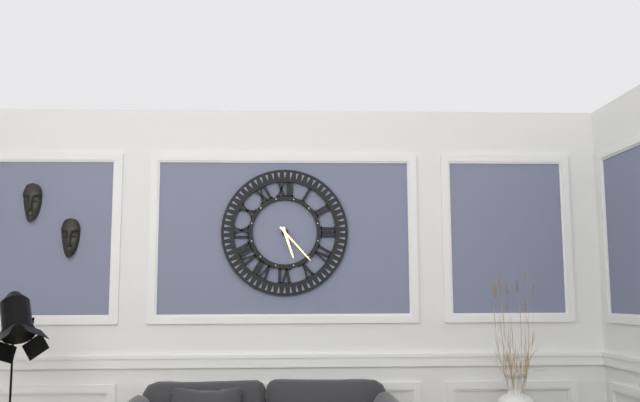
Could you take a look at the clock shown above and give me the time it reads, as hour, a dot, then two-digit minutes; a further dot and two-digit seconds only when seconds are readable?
5.23
